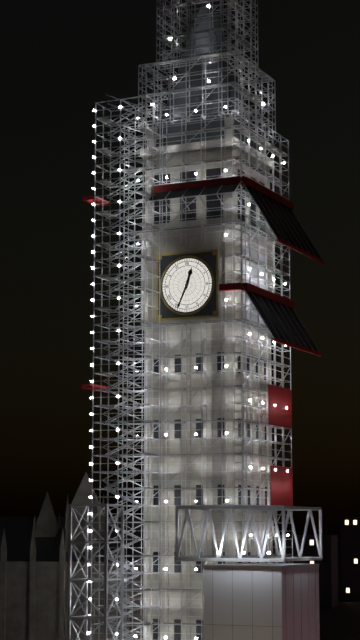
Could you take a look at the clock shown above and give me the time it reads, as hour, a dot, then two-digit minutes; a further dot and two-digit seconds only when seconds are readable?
12.34
